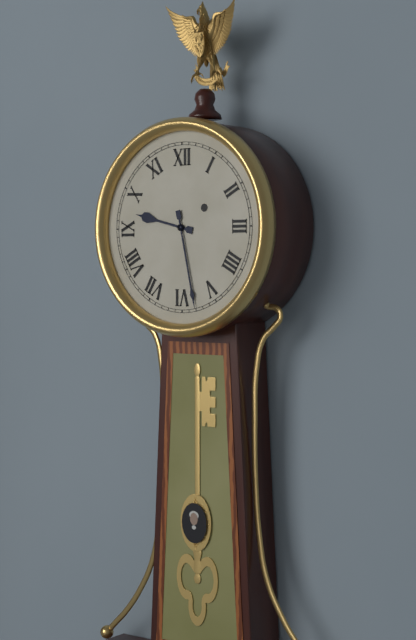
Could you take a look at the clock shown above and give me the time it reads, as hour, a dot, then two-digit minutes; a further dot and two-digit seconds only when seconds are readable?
9.28
